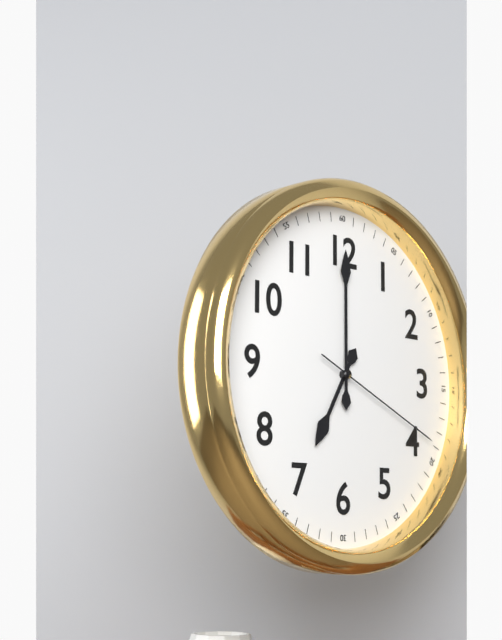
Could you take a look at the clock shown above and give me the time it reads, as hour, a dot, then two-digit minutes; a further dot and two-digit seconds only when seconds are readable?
7.00.19
